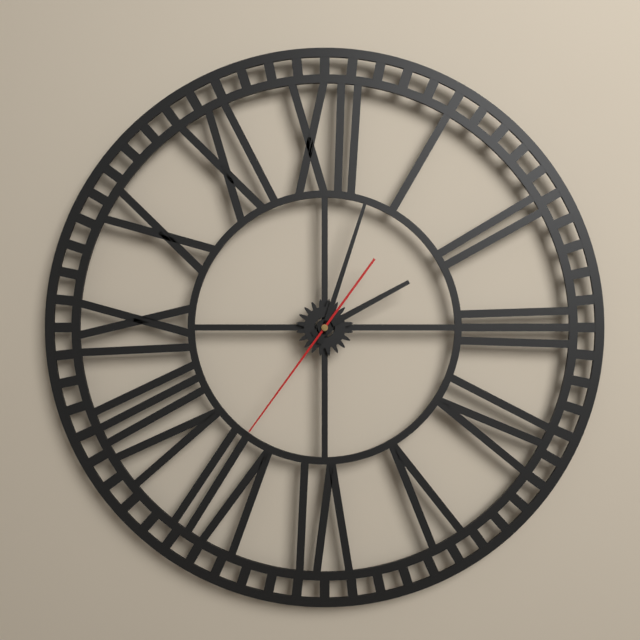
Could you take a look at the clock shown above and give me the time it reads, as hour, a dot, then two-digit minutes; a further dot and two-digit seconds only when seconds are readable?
2.03.36
